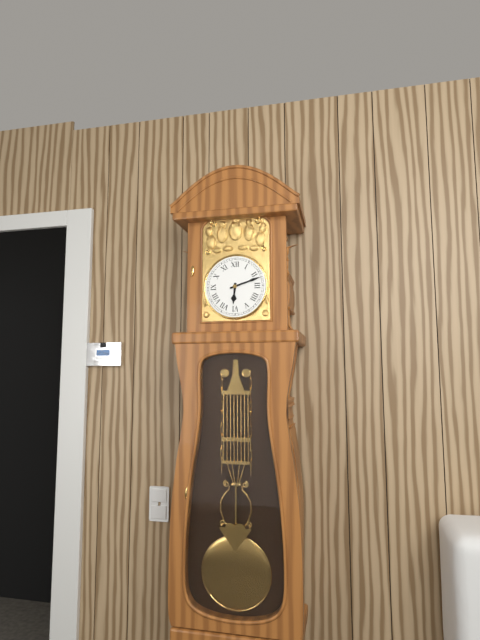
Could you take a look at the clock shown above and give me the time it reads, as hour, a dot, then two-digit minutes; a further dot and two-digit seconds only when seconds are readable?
6.12
